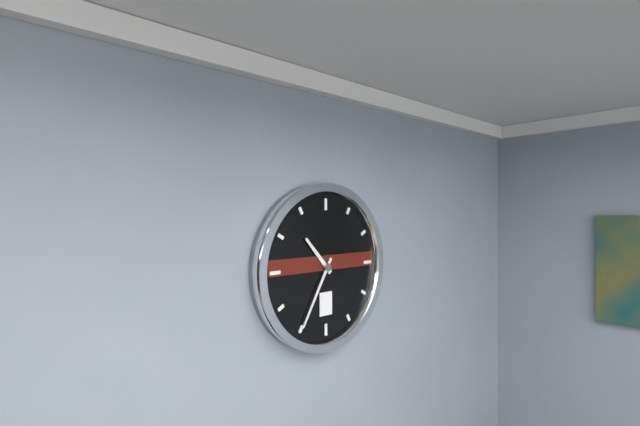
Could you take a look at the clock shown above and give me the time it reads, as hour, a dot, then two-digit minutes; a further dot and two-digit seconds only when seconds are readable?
10.35
